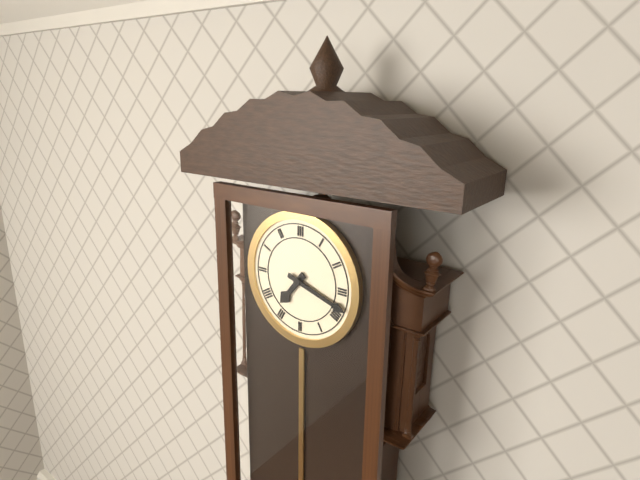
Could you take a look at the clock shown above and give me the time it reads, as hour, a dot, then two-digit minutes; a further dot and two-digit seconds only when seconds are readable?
7.18
